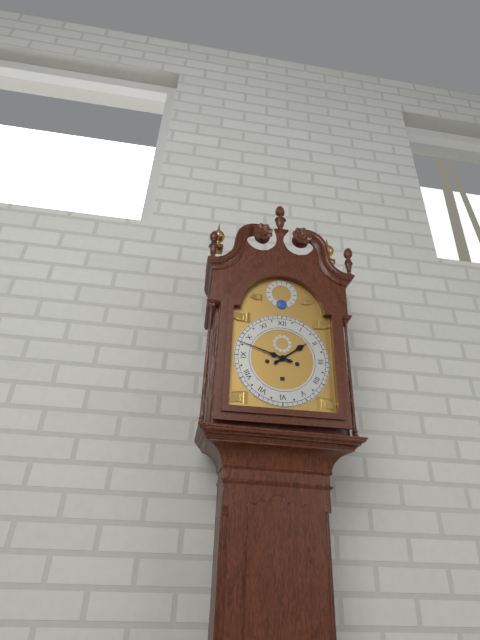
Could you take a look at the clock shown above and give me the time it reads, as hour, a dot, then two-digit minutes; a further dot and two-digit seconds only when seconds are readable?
1.48
